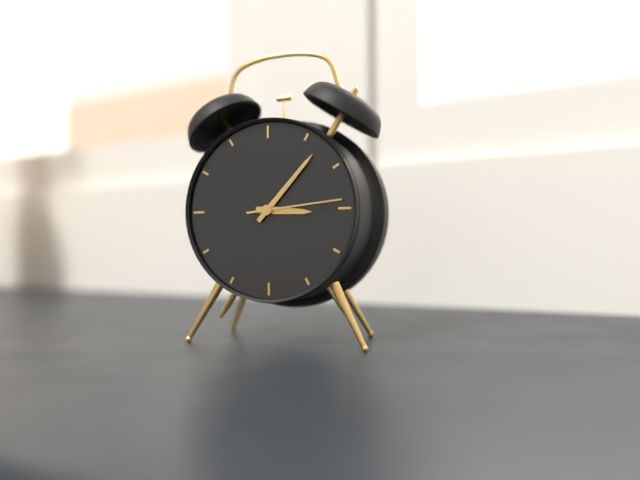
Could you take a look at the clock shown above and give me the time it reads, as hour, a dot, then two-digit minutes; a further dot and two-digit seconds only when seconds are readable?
3.07.14
